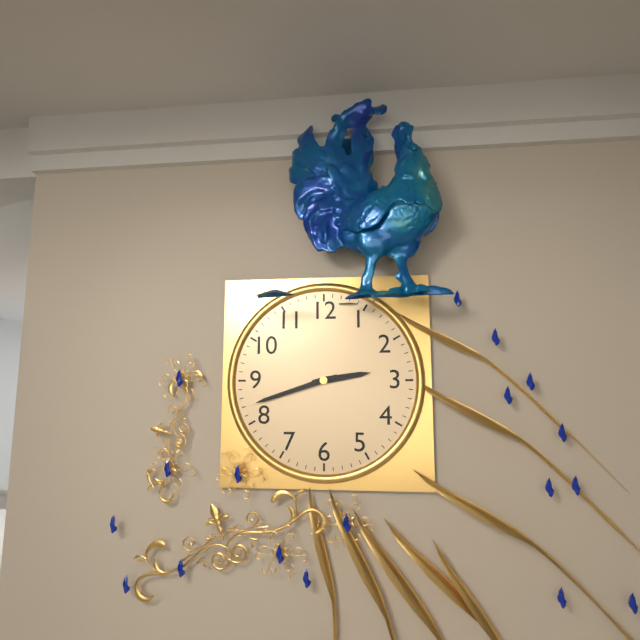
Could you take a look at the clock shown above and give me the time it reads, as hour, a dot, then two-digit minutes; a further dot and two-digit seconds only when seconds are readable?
2.42
